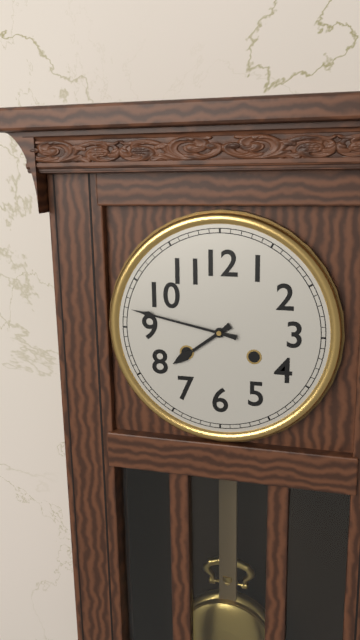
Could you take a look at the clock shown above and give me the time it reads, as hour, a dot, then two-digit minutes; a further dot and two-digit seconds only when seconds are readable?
7.47
